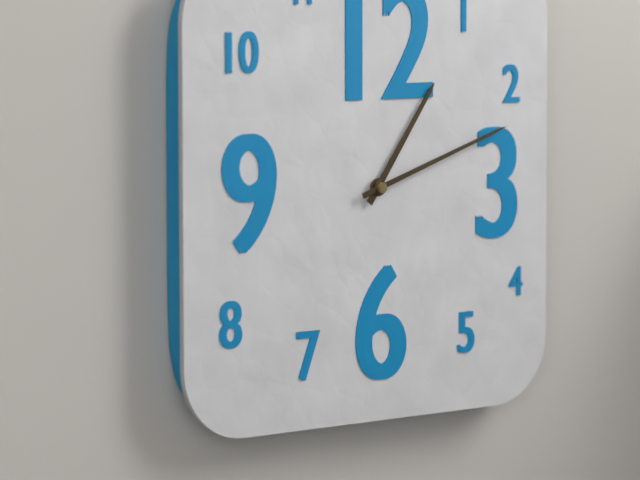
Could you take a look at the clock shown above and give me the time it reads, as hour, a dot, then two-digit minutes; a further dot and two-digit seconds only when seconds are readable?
1.12
